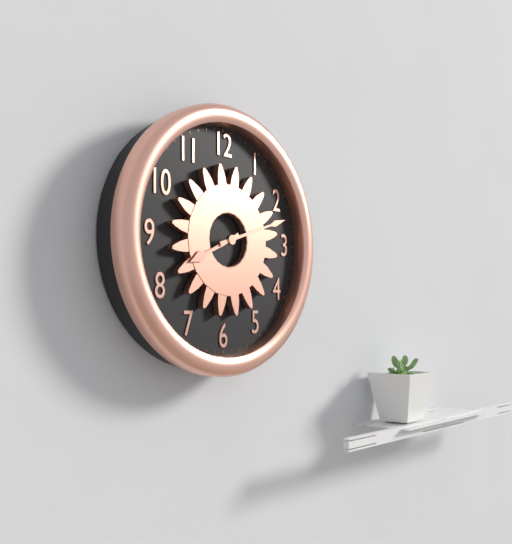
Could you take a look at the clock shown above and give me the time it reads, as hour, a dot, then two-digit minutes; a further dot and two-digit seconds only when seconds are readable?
8.12
